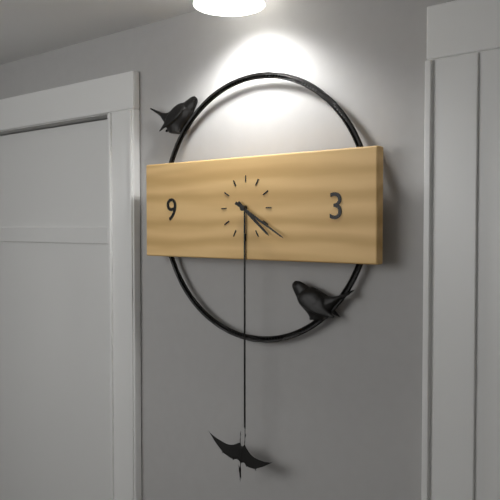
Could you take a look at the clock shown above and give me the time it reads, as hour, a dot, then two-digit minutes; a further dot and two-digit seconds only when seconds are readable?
4.20
